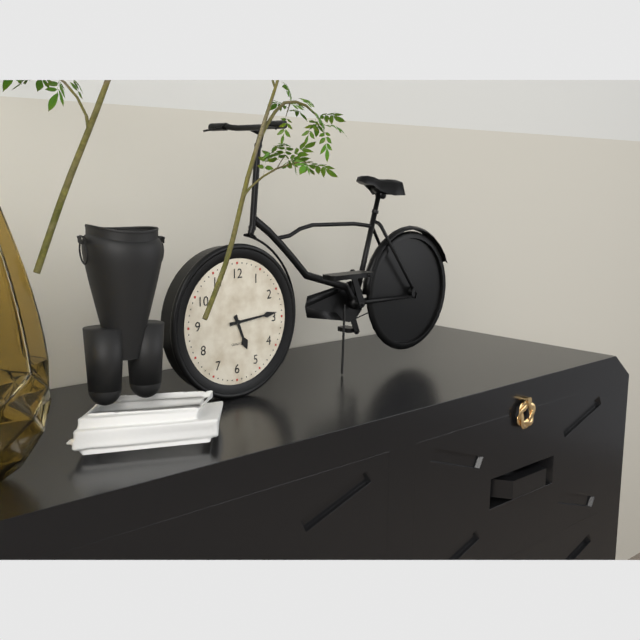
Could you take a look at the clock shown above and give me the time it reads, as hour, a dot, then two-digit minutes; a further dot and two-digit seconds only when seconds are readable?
5.14
